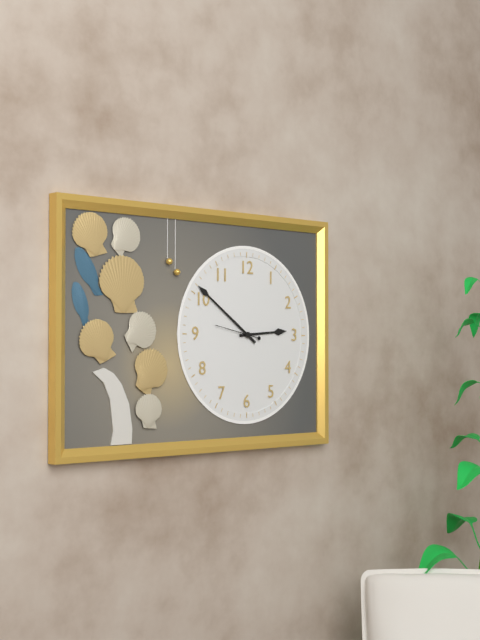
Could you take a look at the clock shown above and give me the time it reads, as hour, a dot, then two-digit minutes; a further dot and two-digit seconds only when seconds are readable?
2.51
